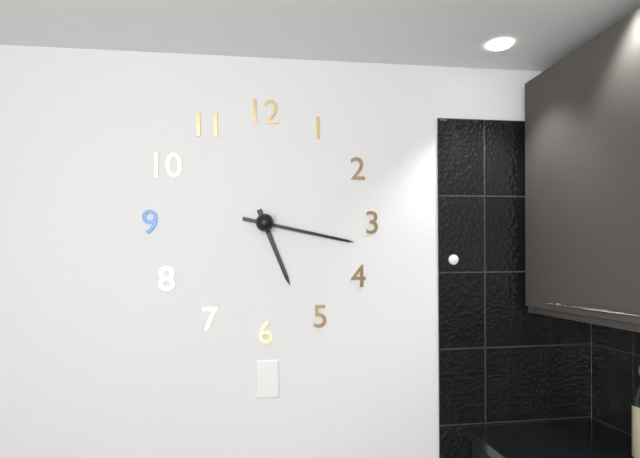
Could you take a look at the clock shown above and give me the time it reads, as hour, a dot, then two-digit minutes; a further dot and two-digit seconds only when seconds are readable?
5.17
